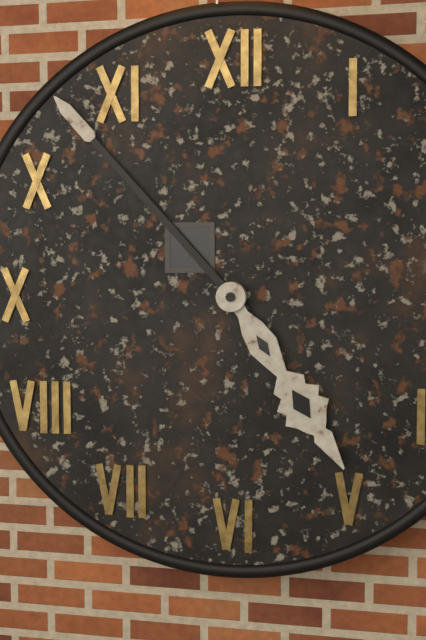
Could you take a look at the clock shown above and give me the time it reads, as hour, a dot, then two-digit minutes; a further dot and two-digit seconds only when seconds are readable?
4.53
